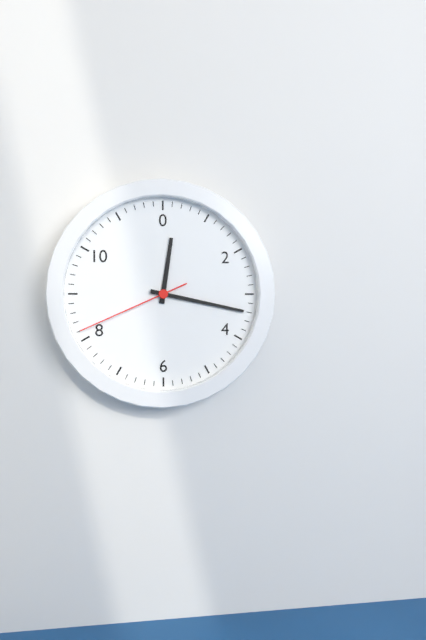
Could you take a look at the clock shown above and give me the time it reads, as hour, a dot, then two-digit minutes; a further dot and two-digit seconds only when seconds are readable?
12.17.41
